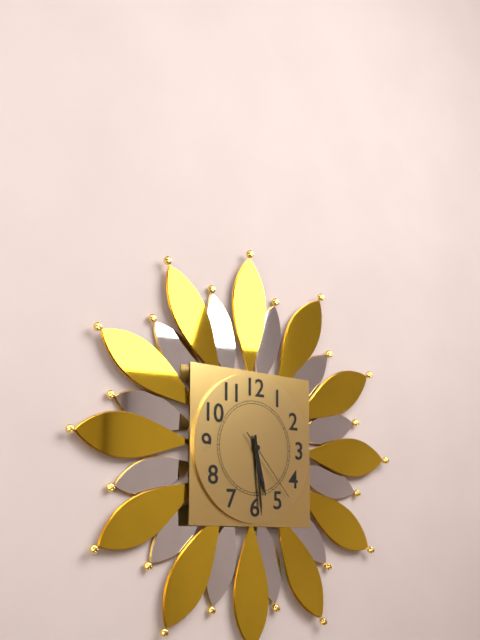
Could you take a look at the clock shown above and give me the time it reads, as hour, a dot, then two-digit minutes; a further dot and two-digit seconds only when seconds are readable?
5.29.23
